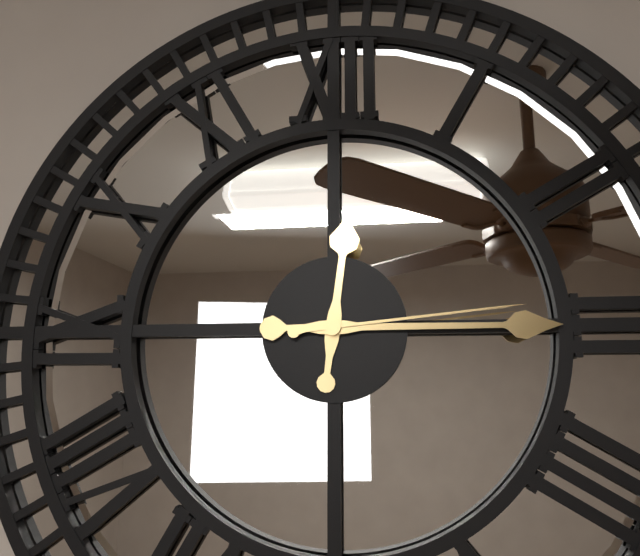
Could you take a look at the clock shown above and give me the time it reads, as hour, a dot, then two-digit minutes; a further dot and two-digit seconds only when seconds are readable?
12.15.14
